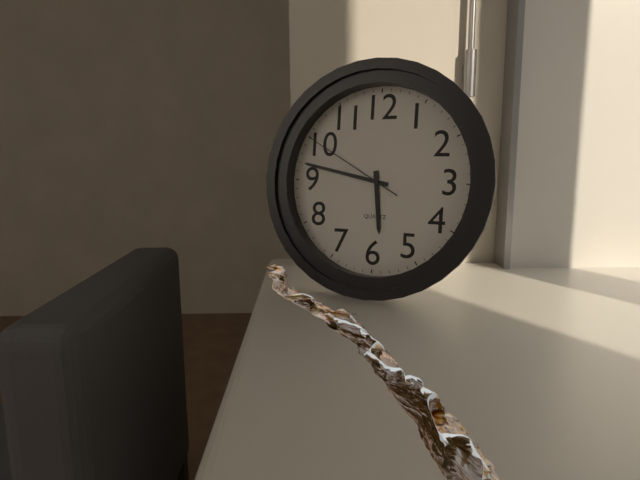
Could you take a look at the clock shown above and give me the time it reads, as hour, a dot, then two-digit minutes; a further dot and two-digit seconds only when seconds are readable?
5.47.50
